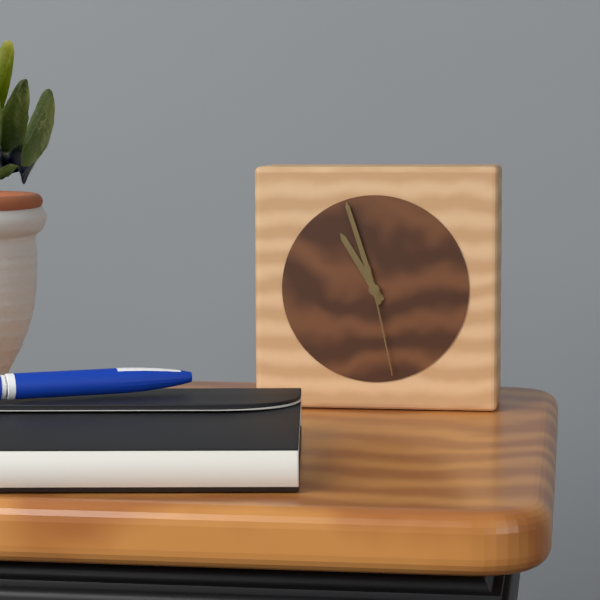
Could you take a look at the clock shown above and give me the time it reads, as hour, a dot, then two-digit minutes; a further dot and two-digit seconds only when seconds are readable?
10.57.28
